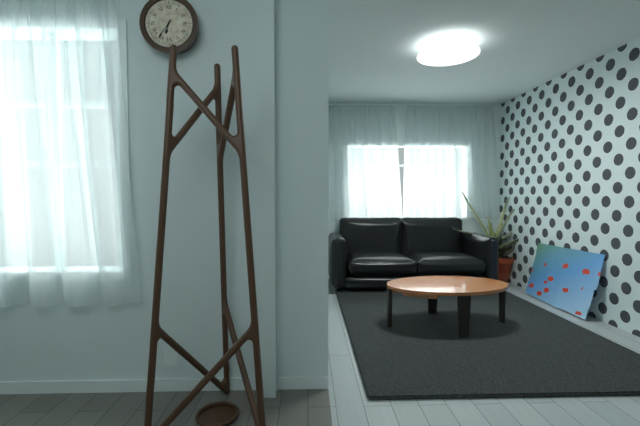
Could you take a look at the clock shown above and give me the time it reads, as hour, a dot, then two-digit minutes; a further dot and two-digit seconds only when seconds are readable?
6.36
